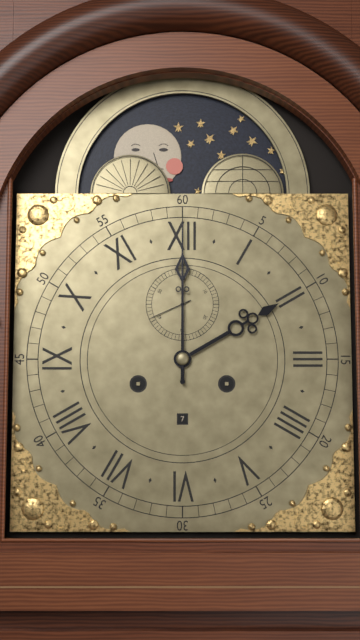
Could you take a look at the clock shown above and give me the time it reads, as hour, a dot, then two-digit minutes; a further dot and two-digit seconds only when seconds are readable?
2.00
